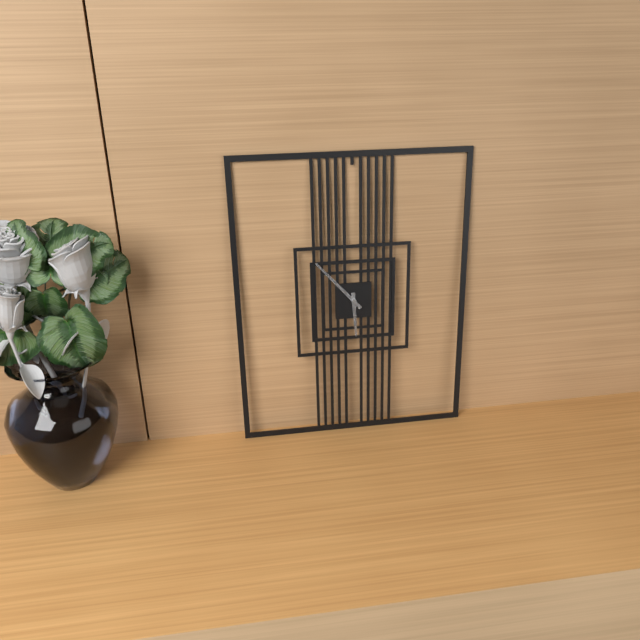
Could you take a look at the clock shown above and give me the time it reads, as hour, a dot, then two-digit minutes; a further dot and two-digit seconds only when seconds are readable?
5.53
